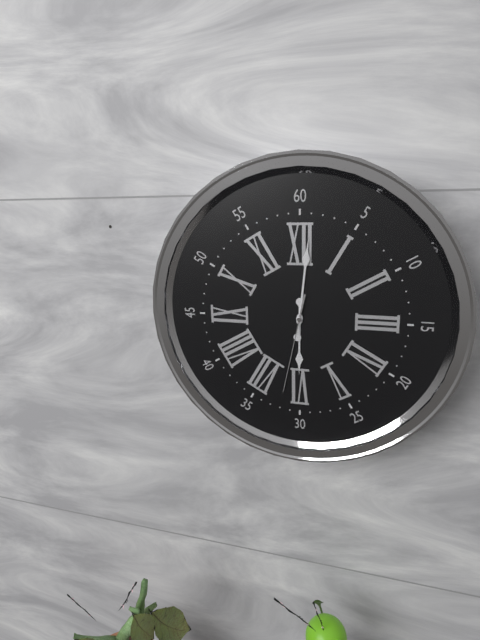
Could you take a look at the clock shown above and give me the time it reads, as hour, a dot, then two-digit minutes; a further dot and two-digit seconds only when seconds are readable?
6.01.32
